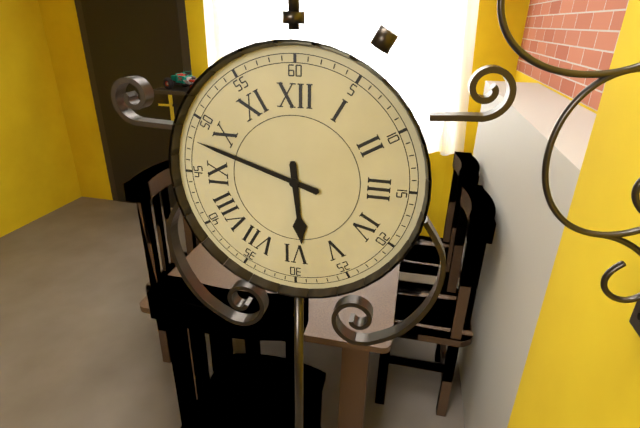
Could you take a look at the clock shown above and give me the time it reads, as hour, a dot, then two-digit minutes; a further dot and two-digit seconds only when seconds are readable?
5.48
